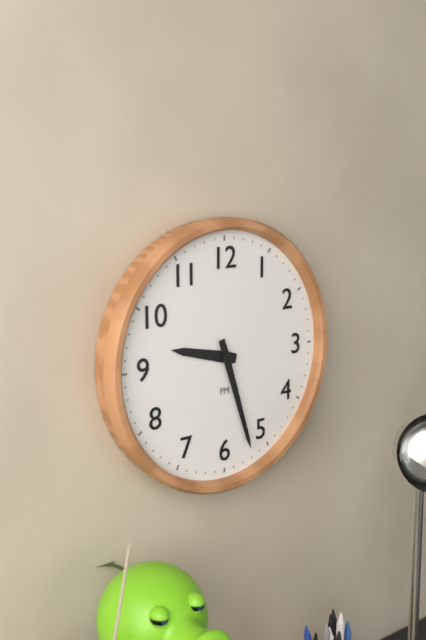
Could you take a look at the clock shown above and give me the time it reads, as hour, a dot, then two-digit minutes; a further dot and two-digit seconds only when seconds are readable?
9.27
